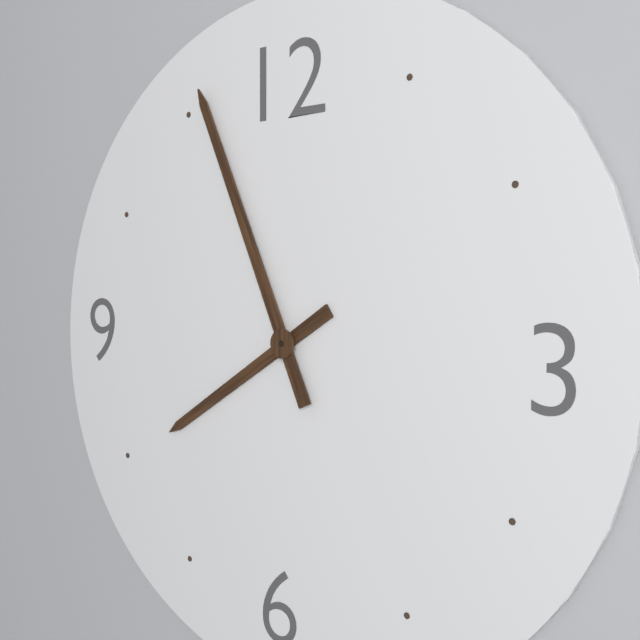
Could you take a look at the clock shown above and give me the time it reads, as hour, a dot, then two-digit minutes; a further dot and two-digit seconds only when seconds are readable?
7.56
